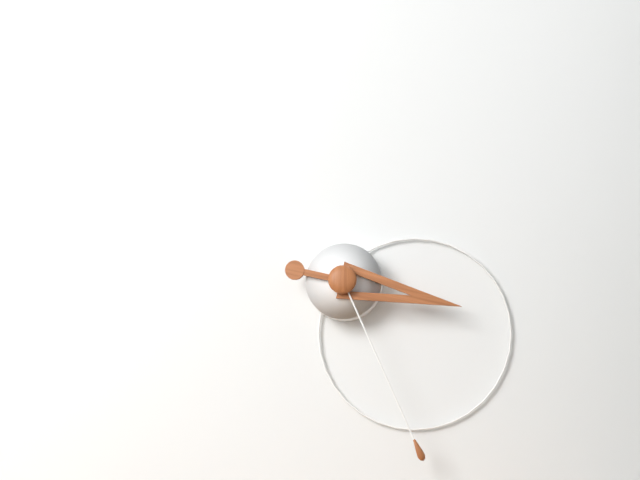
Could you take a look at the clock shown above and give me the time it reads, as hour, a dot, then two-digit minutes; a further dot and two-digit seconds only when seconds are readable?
3.26
